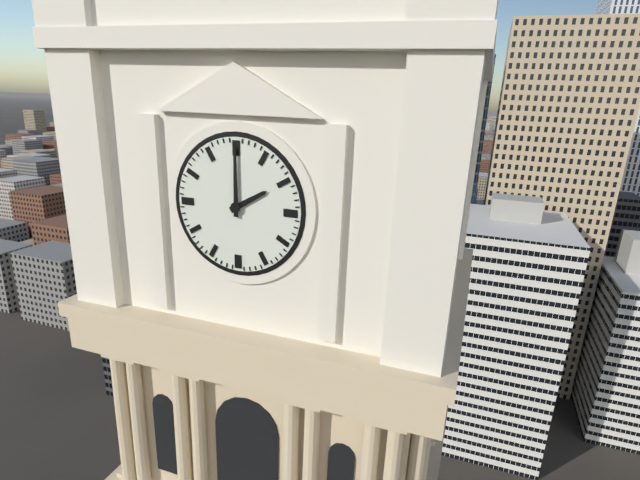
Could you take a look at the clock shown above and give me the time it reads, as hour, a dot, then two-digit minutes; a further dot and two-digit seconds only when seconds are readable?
2.00
